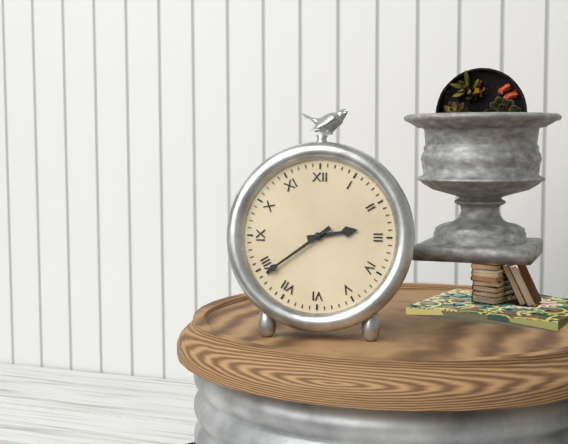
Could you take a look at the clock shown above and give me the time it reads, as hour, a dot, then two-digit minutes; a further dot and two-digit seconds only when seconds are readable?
2.39
